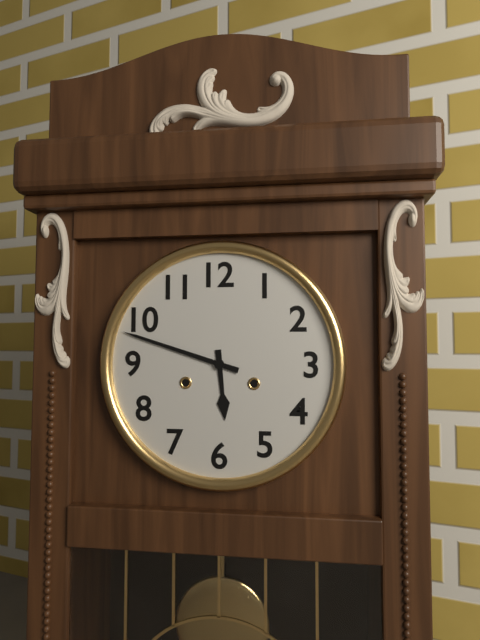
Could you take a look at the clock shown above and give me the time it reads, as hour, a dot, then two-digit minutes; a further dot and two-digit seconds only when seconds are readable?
5.48
